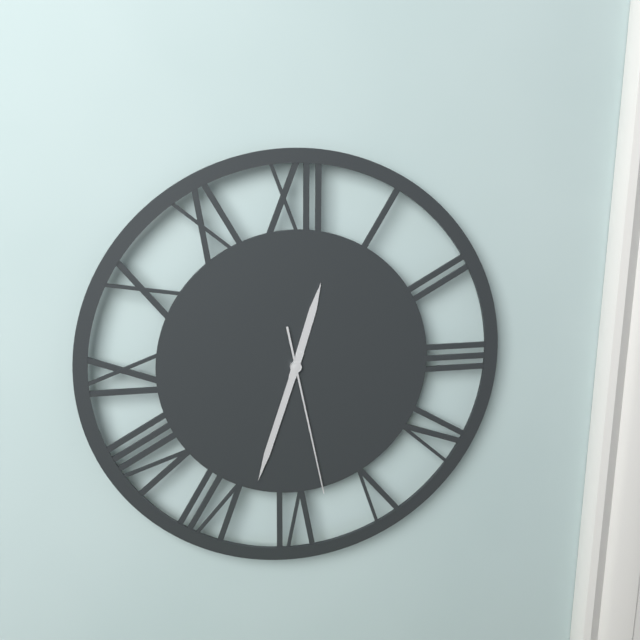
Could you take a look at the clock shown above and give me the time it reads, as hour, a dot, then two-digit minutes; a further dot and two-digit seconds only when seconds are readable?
12.33.28
